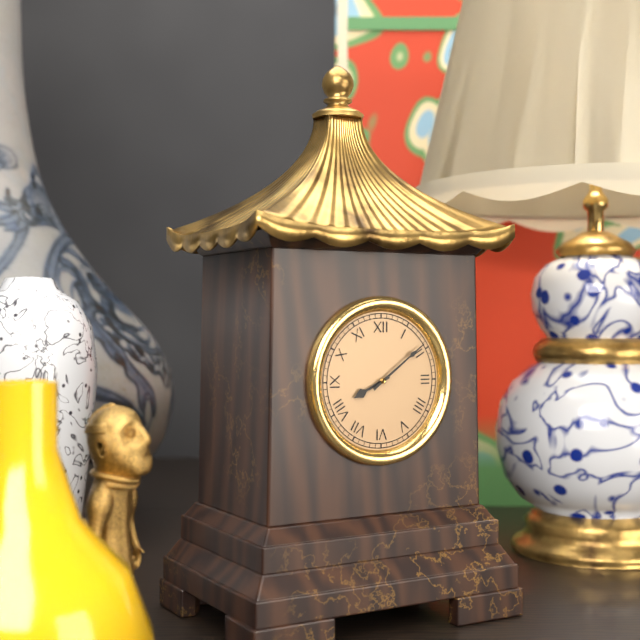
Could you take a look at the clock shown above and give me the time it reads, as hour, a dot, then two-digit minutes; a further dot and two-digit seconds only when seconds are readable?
8.09
